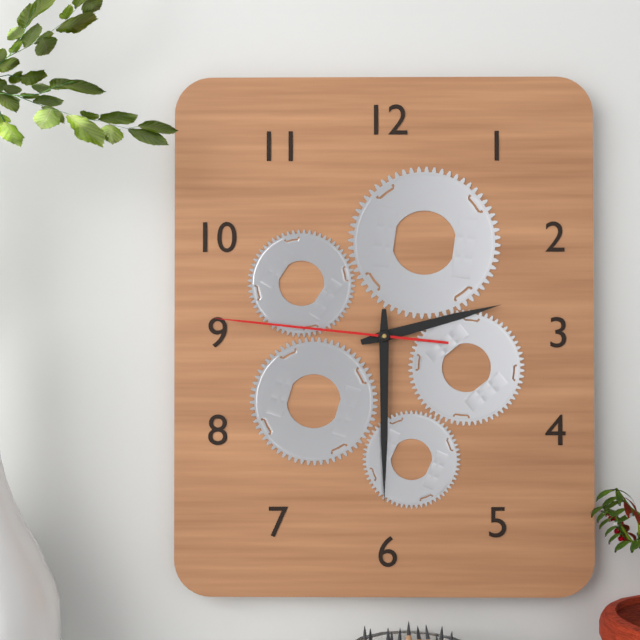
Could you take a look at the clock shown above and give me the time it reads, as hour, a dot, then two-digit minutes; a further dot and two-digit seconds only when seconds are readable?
2.30.46
